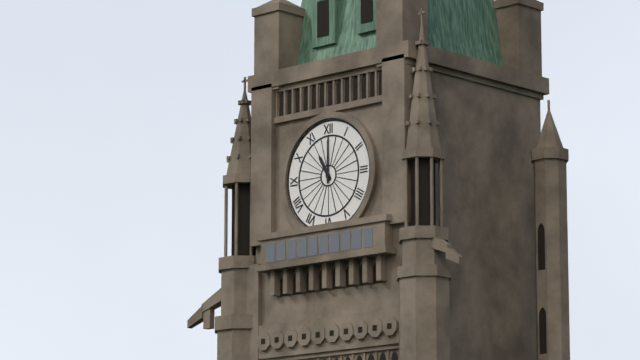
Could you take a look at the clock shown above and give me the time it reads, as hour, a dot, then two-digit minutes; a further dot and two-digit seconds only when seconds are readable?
11.00
